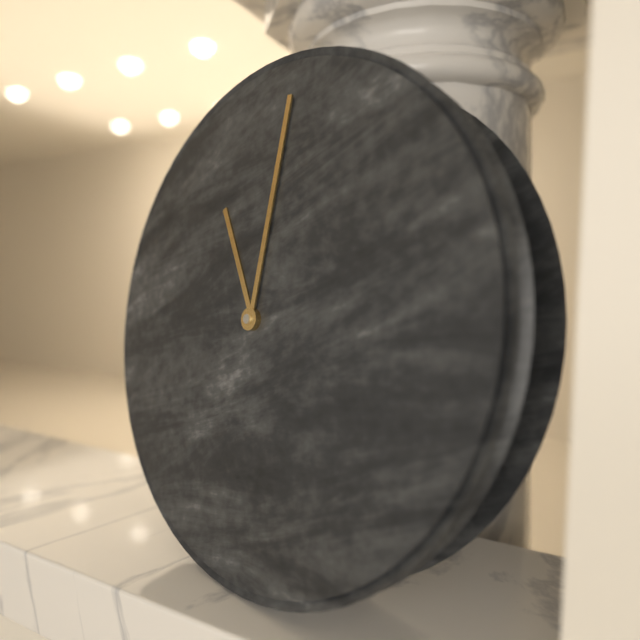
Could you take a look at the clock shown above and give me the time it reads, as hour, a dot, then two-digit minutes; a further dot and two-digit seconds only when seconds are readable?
11.01
